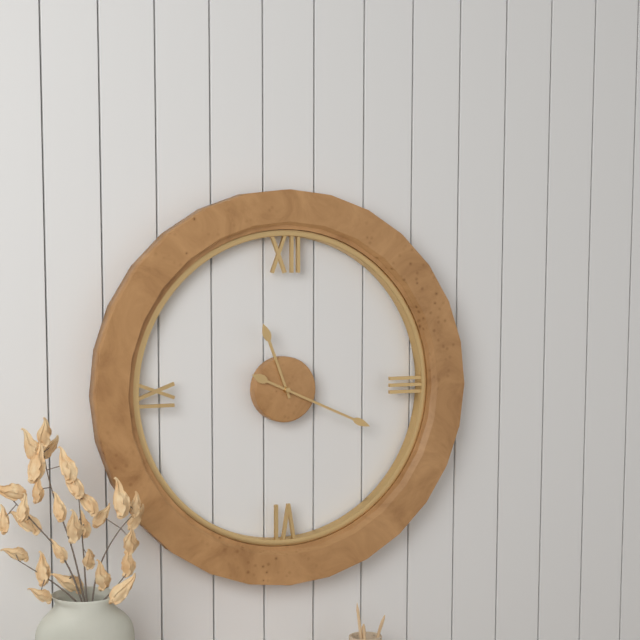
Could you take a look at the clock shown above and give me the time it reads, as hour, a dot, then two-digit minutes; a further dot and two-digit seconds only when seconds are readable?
11.19
